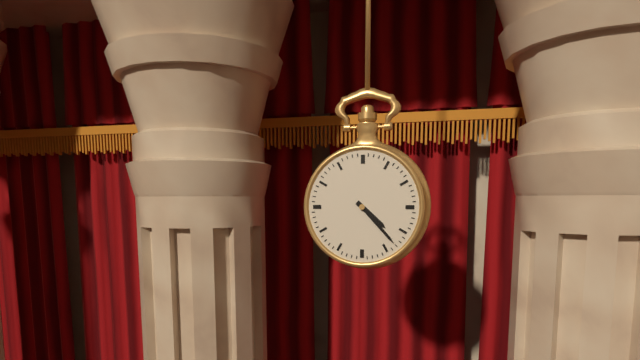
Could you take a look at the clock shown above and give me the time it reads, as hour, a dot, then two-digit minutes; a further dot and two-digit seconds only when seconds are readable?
4.23
